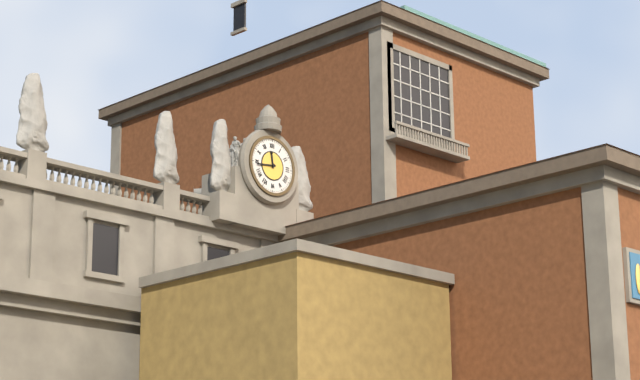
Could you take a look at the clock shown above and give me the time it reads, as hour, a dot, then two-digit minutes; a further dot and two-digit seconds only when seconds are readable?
11.44
